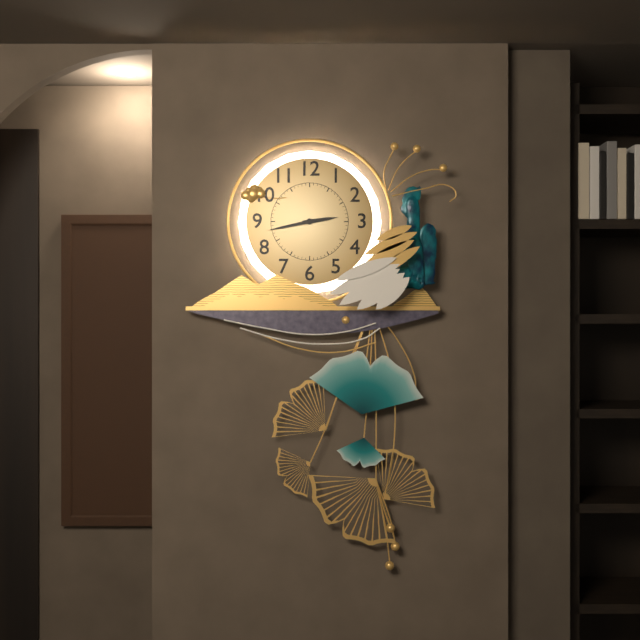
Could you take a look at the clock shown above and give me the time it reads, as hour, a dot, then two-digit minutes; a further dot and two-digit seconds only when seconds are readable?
2.43
